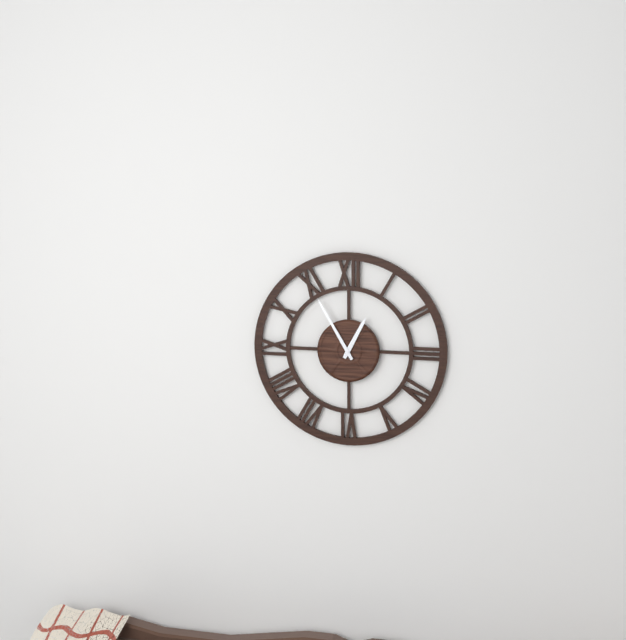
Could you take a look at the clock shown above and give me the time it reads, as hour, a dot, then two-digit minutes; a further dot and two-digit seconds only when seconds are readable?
12.55
